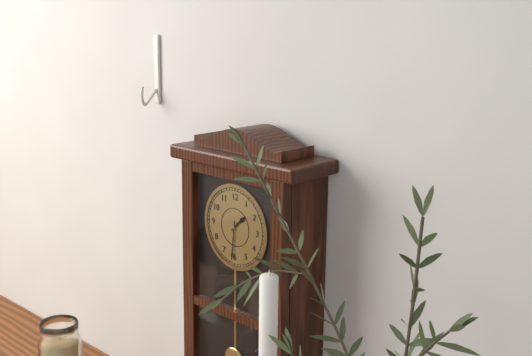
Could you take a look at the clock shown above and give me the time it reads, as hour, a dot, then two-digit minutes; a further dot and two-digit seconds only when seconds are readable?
1.31
